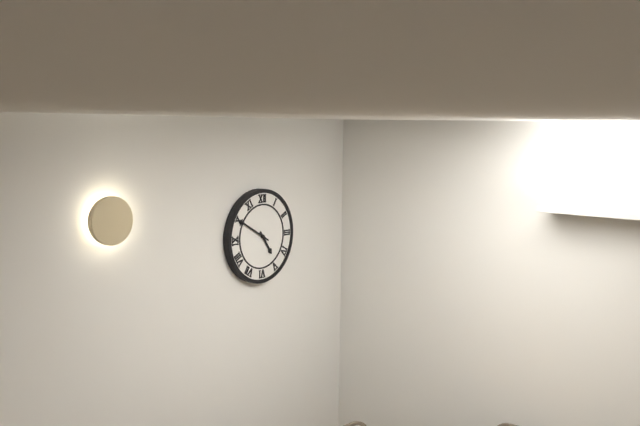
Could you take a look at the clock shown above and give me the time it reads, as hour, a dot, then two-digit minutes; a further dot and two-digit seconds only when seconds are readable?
4.50
